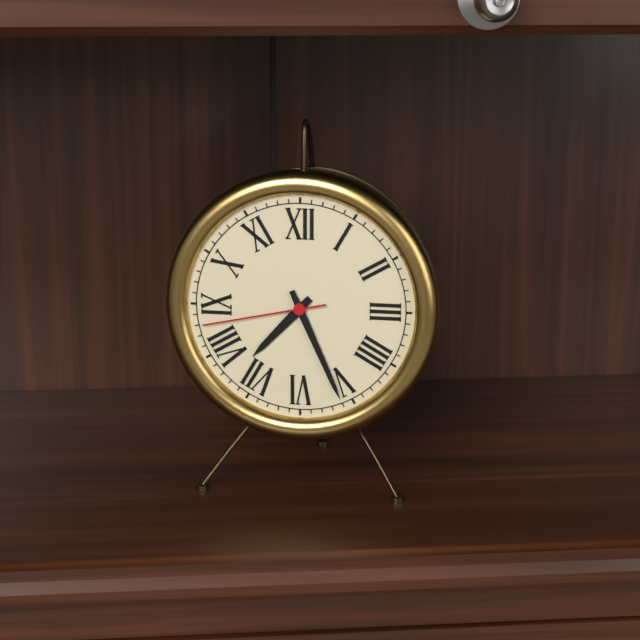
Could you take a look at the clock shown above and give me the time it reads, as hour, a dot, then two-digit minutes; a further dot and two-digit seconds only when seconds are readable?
7.26.43
